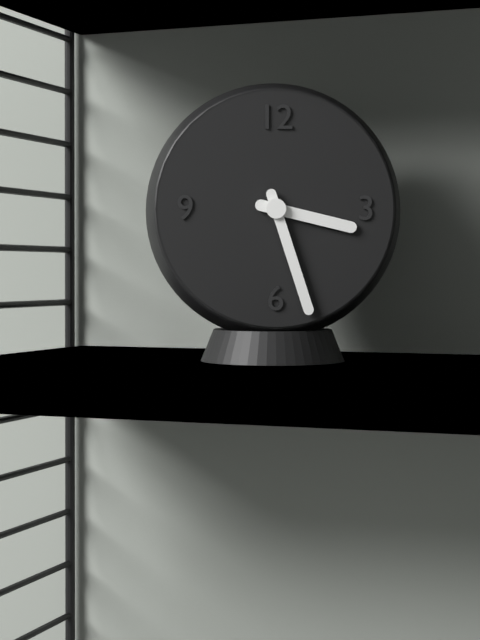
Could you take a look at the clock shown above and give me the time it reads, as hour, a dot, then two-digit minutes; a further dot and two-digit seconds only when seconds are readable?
3.27
